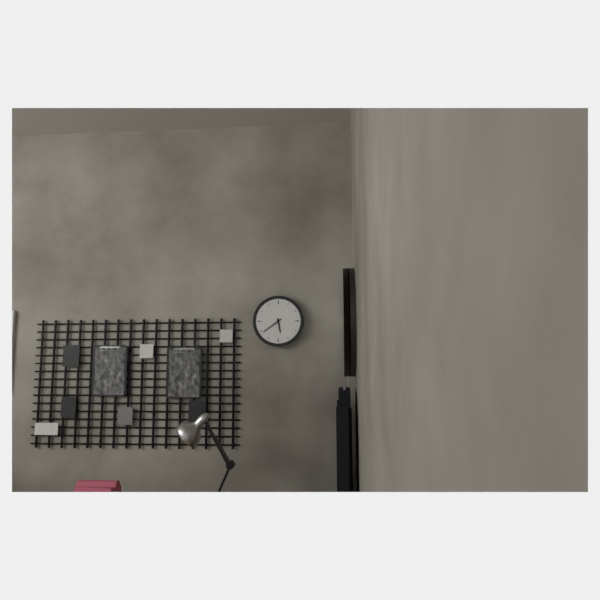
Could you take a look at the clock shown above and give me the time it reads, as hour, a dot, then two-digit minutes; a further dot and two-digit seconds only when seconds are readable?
5.39
